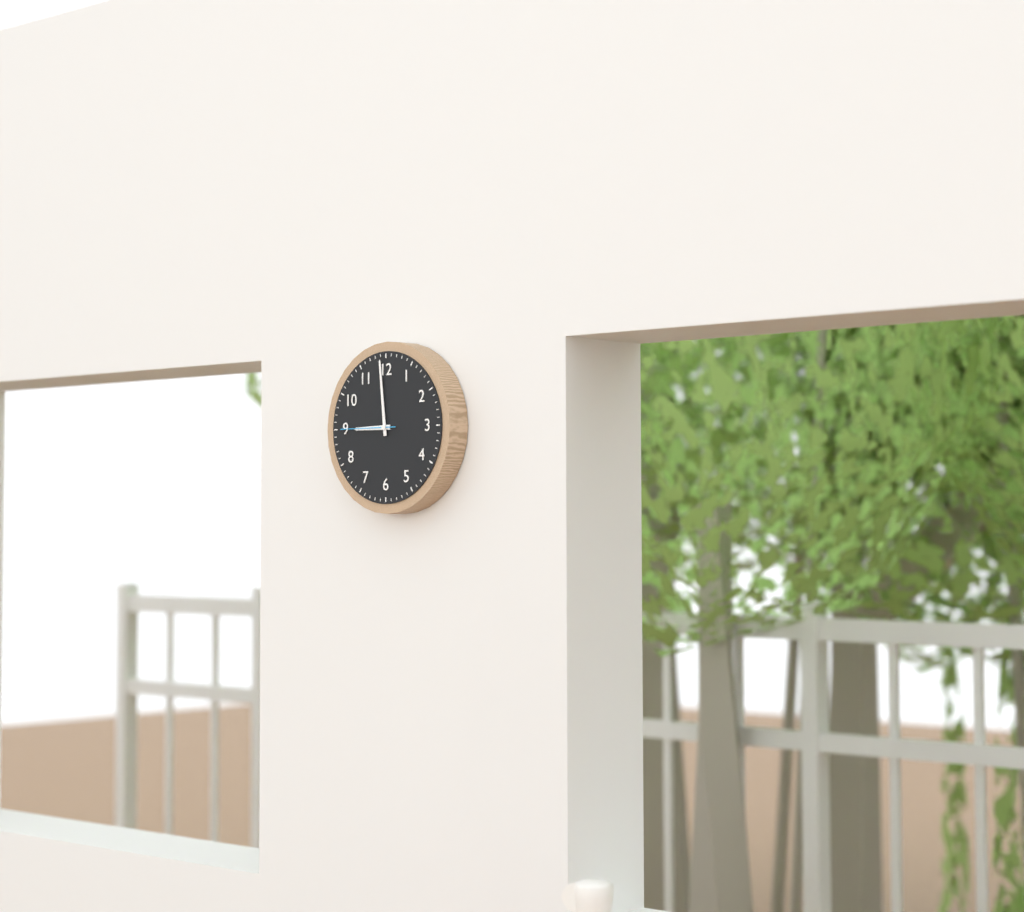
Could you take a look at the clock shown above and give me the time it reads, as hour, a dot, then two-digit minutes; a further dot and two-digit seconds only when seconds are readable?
8.59.45
